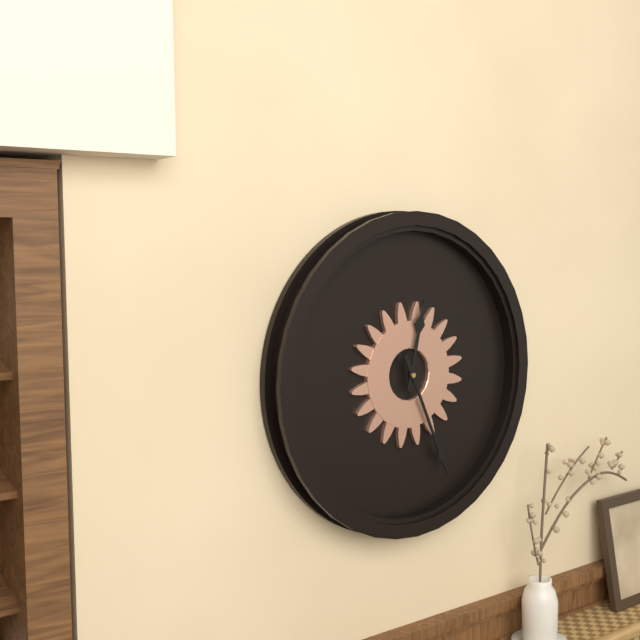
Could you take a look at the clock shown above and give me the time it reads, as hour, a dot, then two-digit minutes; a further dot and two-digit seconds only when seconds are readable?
12.26
